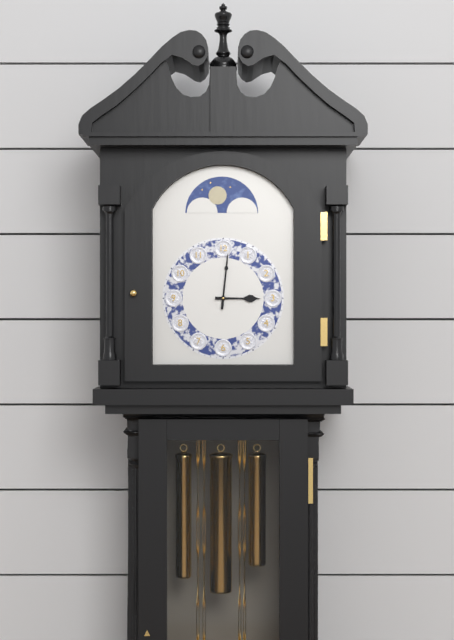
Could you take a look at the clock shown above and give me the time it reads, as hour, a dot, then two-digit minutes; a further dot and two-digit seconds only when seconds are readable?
3.01
